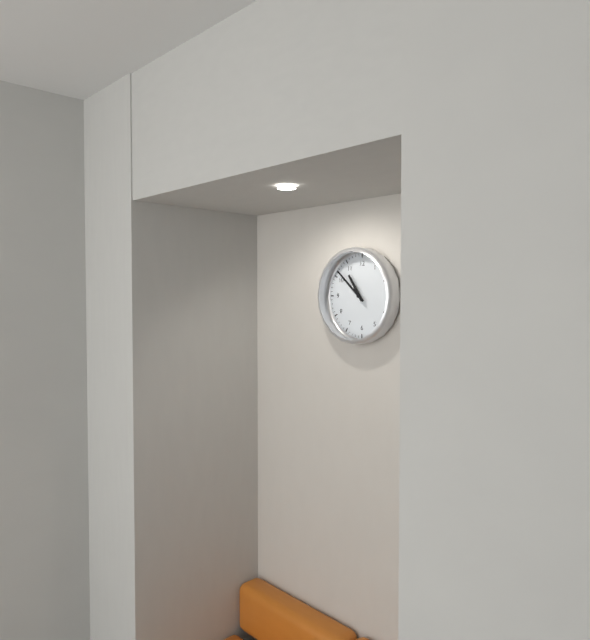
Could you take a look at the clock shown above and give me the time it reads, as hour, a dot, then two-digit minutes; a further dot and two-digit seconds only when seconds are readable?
10.52
